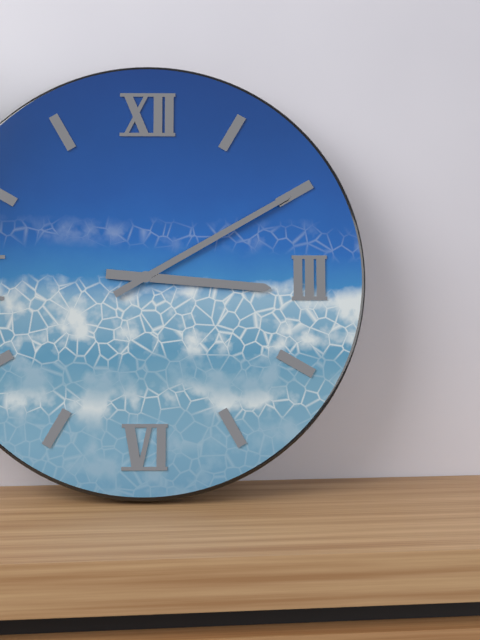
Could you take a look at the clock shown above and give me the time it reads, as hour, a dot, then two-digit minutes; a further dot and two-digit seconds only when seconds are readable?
3.10
